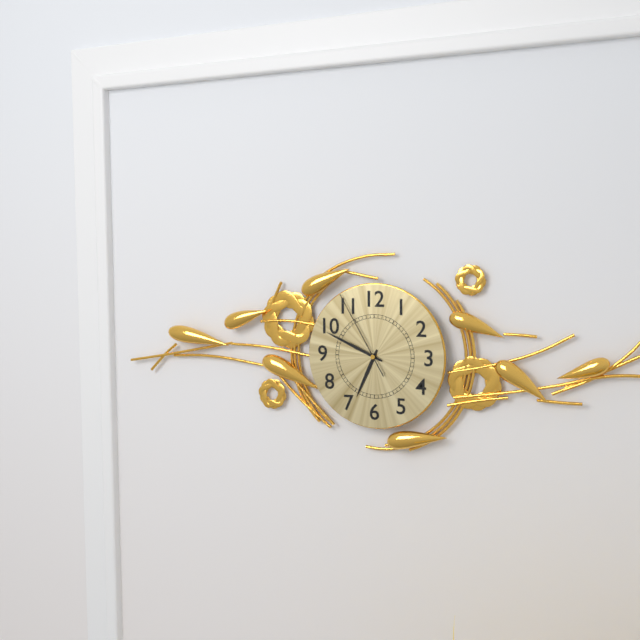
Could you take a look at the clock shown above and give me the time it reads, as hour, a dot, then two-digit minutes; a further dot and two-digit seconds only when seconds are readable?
6.49.55
